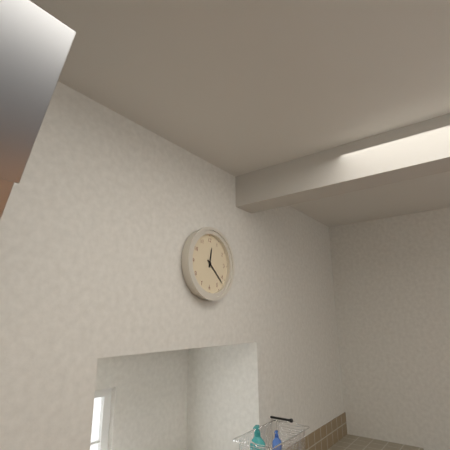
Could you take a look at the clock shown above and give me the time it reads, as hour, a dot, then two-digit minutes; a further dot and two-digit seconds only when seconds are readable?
12.22
